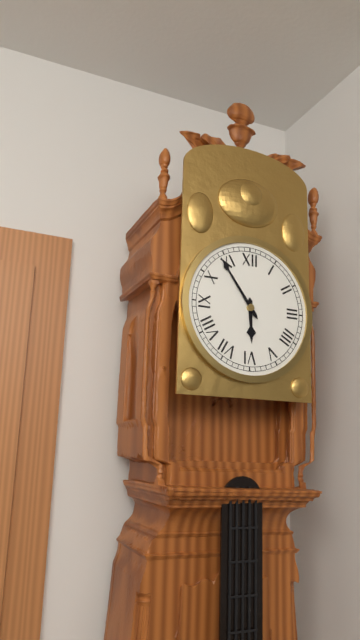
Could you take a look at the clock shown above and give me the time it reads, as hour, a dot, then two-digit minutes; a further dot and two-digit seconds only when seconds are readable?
5.54
